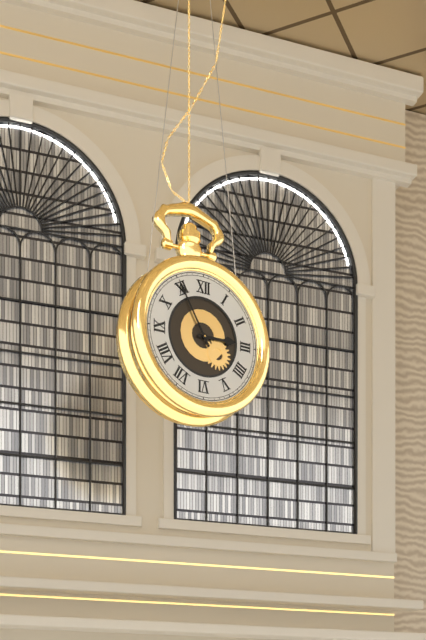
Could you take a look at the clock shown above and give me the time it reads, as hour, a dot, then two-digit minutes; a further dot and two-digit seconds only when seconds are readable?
2.55
